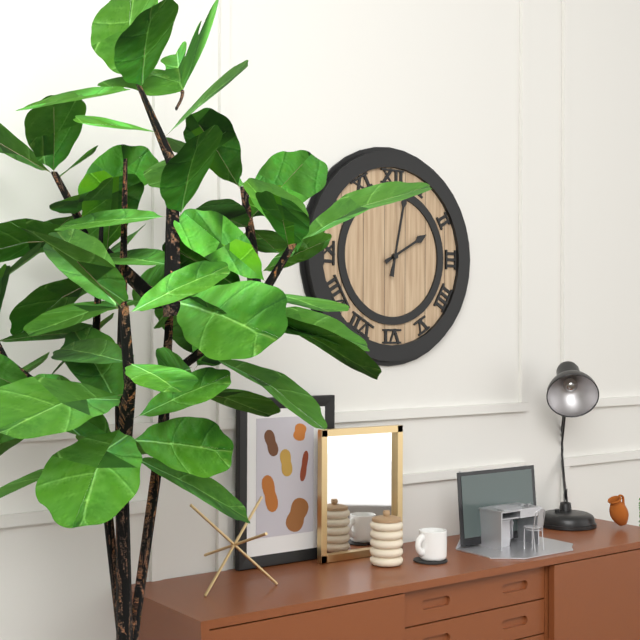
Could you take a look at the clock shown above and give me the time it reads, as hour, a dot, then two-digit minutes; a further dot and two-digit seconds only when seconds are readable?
2.02
